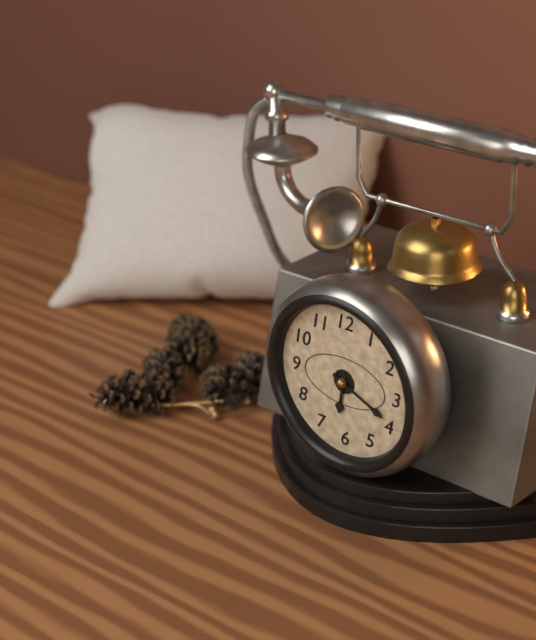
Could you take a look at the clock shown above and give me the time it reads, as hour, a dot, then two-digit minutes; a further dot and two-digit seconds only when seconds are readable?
6.19
